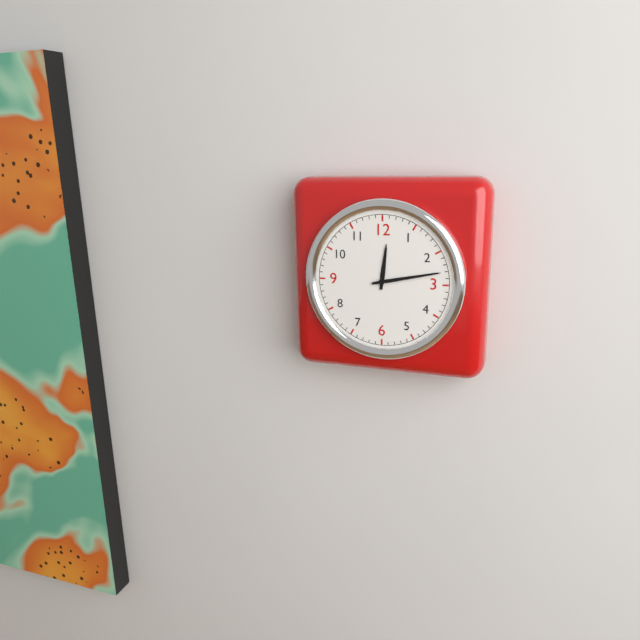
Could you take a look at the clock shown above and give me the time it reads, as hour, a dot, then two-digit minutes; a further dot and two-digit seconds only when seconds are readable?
12.13
